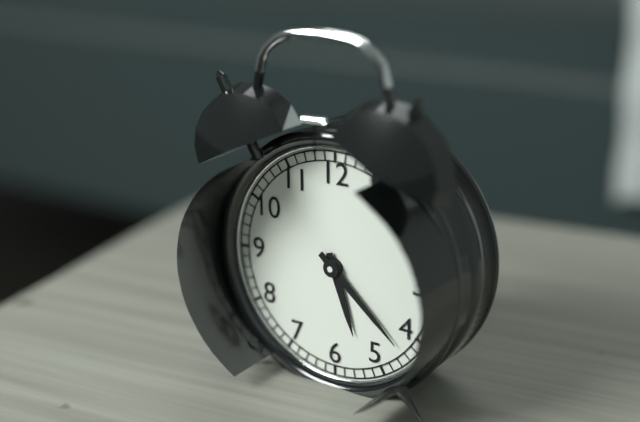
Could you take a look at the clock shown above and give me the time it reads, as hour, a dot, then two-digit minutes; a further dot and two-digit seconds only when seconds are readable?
5.22
